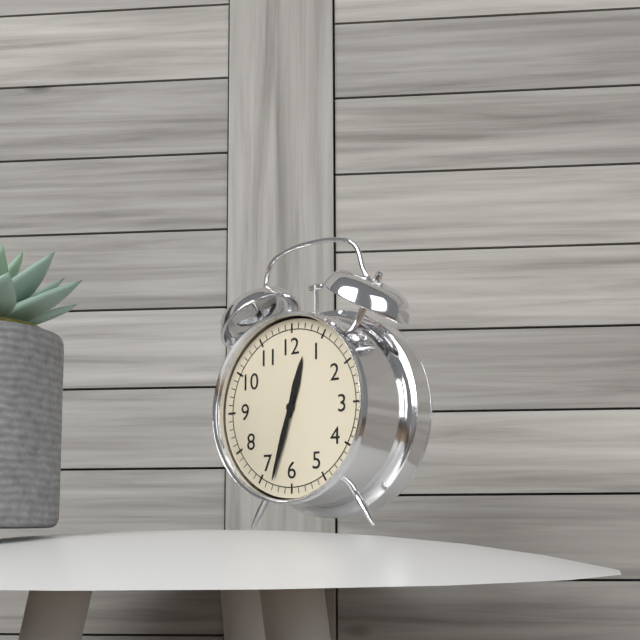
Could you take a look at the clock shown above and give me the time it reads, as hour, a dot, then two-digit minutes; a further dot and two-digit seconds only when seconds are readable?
12.33
